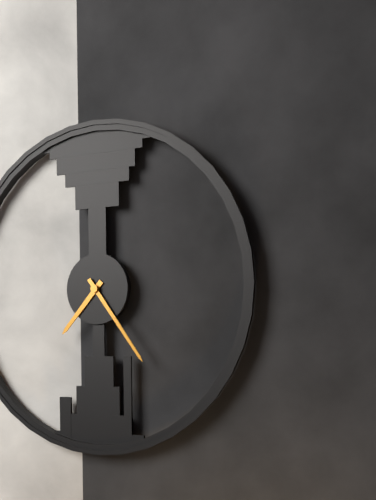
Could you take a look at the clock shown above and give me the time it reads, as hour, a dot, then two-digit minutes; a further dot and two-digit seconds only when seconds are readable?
7.24
